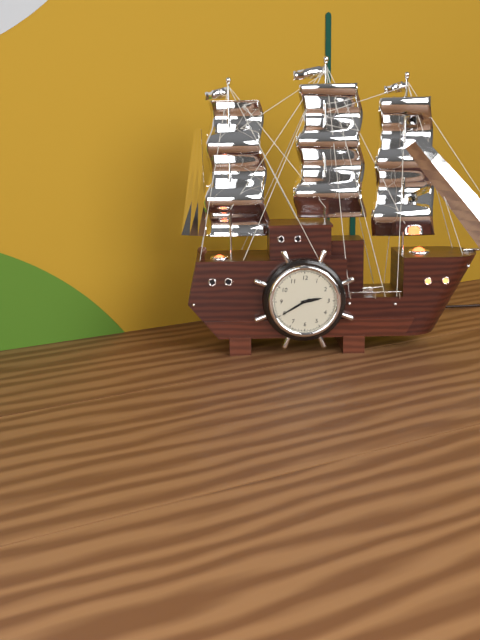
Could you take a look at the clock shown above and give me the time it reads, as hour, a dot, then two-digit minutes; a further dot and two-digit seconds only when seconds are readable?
2.40
